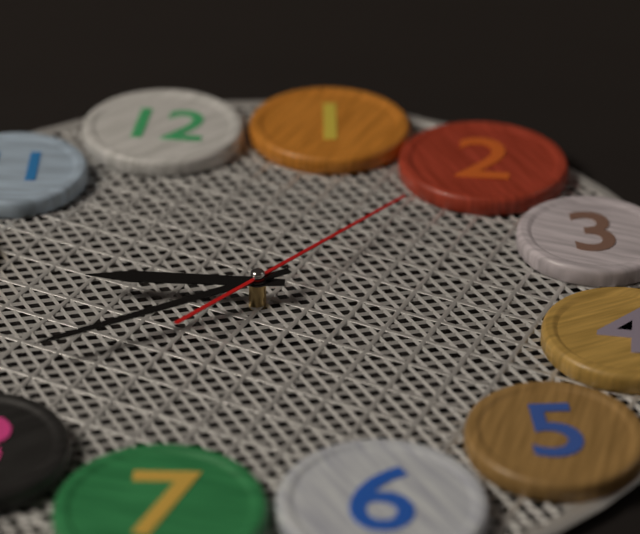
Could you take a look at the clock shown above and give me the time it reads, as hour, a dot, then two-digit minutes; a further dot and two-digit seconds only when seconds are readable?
9.43.10
